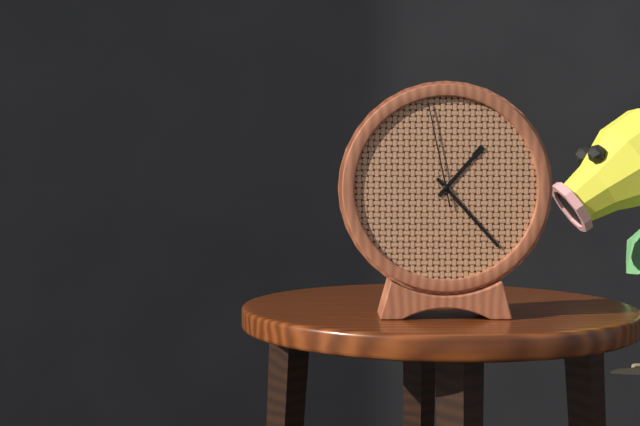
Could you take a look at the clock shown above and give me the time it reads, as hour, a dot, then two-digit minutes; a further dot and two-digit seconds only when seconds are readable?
1.23.58
